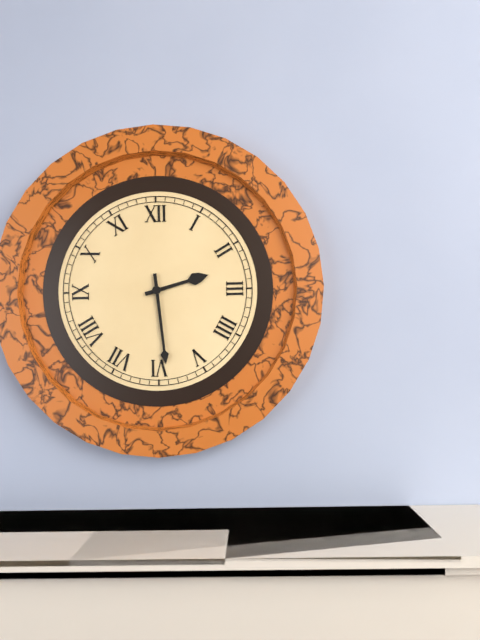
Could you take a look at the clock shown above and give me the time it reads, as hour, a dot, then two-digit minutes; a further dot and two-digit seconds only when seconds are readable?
2.29
